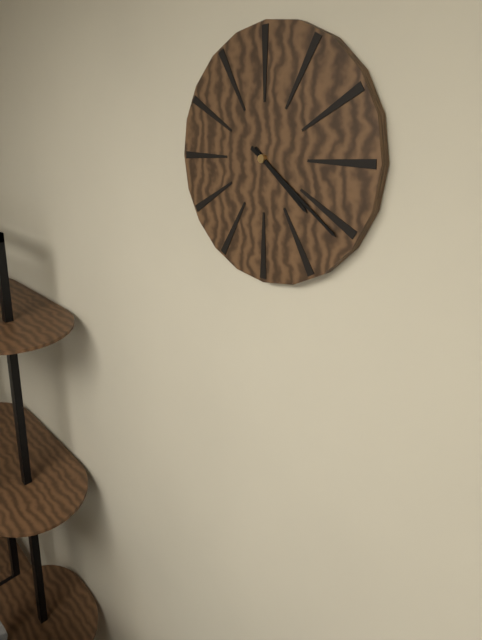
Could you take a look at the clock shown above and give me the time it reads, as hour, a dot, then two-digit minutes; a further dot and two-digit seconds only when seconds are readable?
4.21
